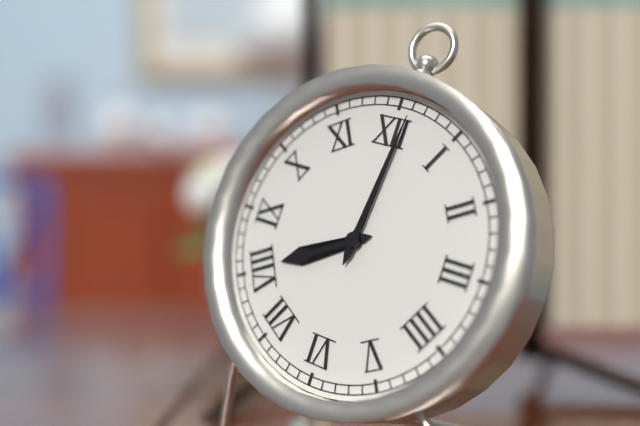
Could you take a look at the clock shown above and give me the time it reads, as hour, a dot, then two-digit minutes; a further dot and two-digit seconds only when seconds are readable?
8.01
